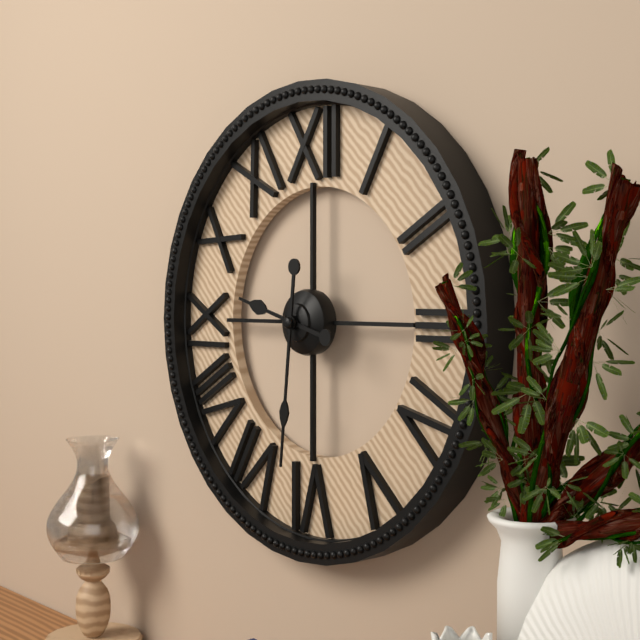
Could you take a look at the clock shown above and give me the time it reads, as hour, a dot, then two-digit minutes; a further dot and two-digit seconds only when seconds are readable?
9.31
